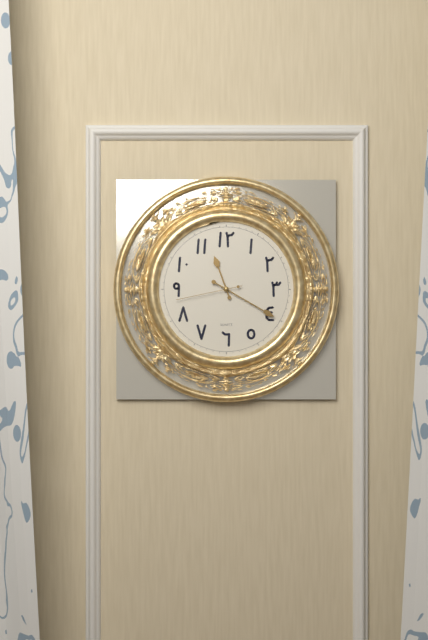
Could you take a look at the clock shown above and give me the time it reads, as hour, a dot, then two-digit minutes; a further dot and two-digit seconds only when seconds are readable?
11.20.43
